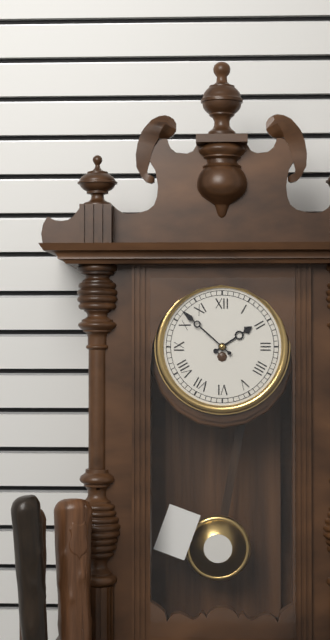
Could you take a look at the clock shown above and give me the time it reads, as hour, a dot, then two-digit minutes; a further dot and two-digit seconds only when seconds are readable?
1.52
